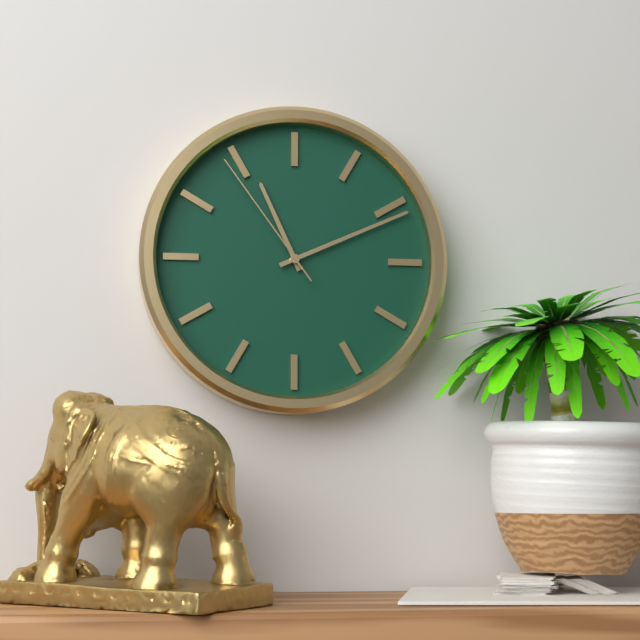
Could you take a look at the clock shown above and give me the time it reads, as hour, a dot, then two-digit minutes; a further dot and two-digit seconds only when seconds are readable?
11.11.54
